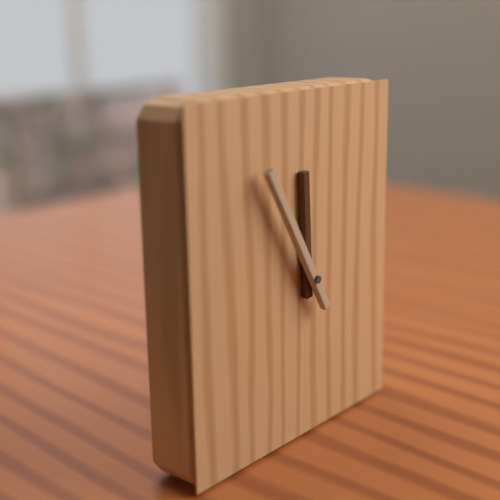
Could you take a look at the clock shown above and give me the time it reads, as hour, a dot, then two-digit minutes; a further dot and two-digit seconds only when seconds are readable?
11.55
